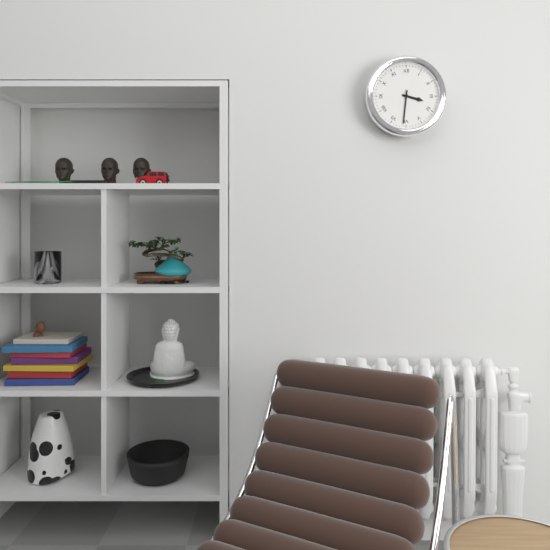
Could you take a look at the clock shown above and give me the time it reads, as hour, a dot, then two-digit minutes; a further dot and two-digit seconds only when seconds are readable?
3.31
